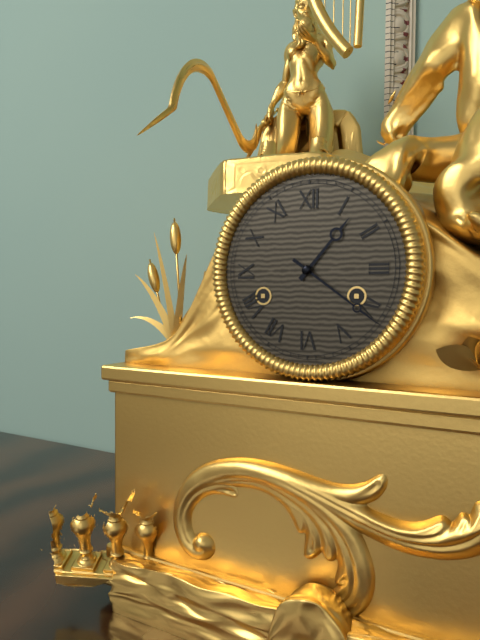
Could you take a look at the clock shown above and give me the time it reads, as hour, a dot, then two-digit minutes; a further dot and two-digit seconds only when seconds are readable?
1.21
